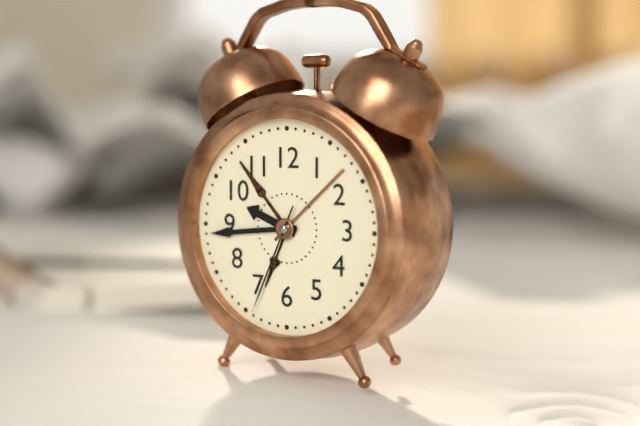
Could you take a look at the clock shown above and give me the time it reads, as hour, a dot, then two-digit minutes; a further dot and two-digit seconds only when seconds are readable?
9.44.34
